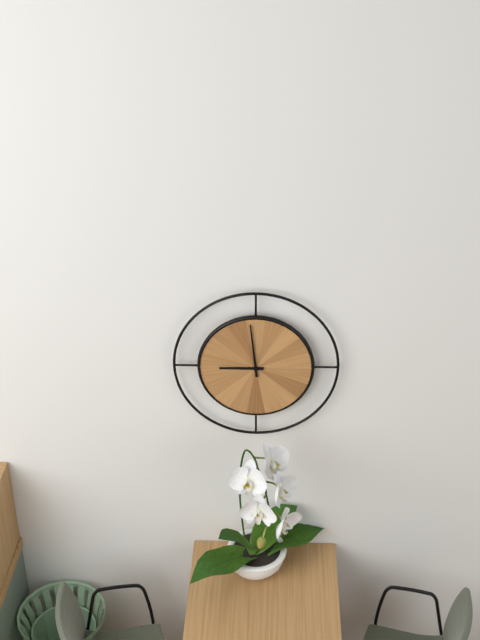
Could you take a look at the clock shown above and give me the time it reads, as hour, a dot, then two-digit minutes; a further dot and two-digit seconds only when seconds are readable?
8.59
